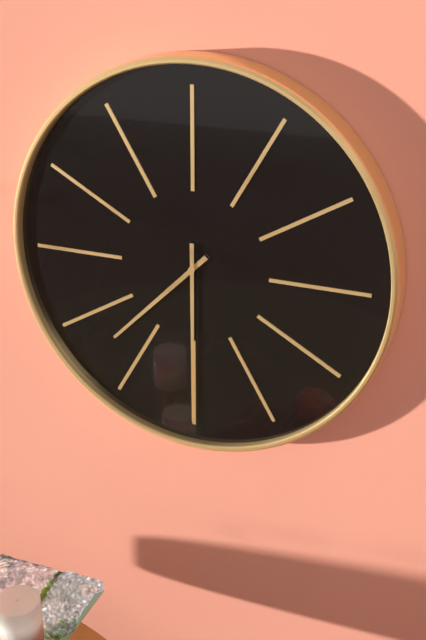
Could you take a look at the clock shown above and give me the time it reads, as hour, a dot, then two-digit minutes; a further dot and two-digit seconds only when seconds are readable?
7.30
